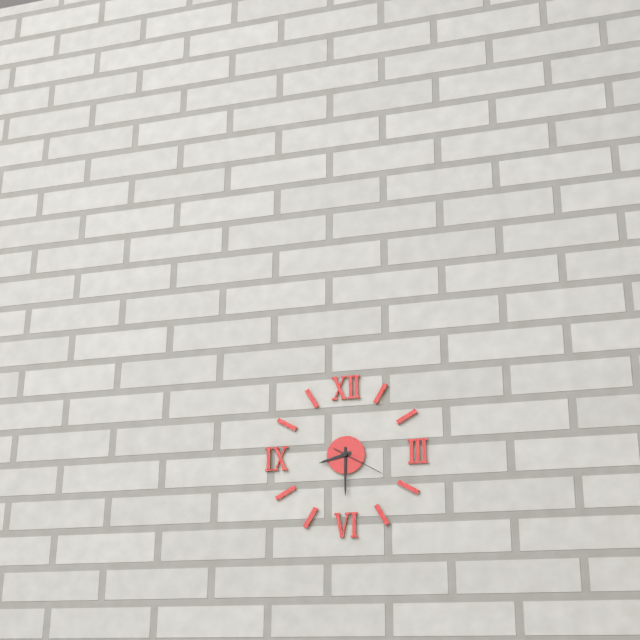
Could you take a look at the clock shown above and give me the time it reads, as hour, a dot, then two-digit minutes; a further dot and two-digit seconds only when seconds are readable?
8.30.20
